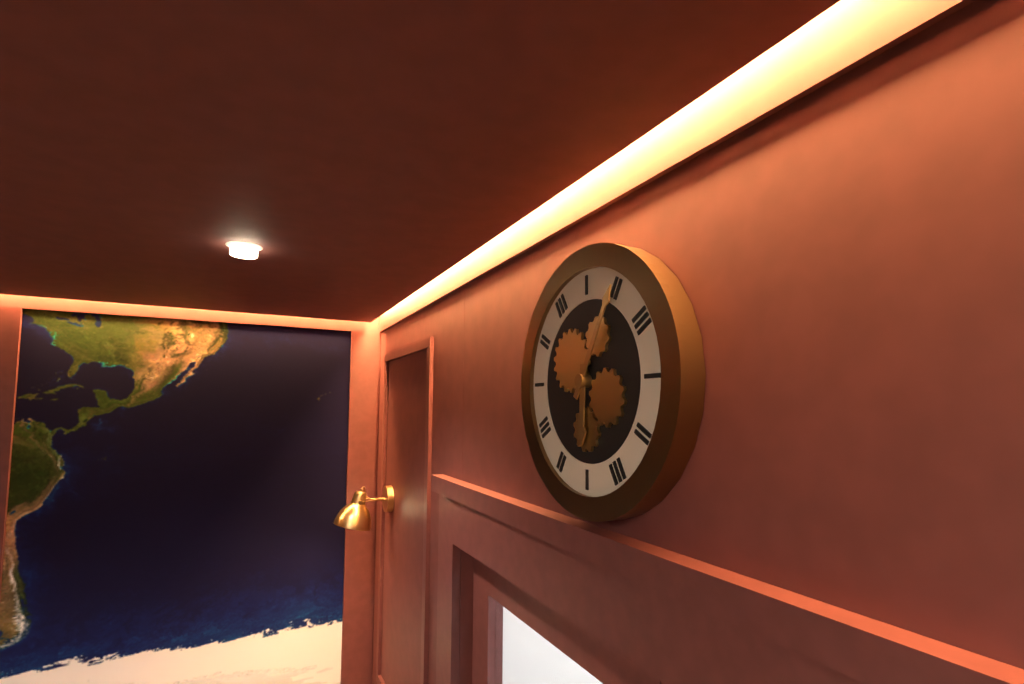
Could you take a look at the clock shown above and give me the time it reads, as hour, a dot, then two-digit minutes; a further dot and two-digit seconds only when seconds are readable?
6.05
